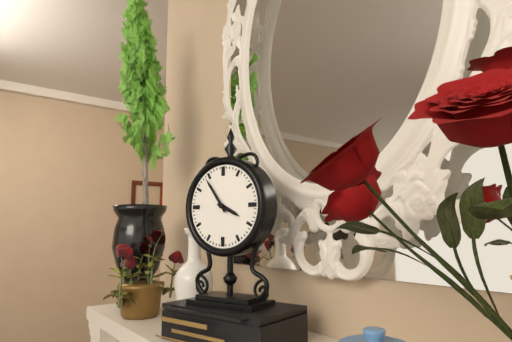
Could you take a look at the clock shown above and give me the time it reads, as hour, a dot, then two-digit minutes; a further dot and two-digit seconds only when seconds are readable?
3.54
